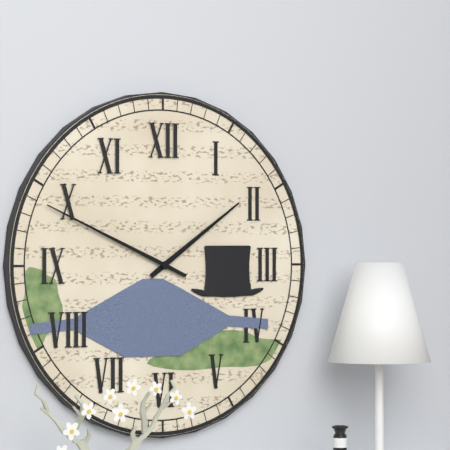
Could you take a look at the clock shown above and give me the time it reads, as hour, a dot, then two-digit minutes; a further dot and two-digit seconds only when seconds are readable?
1.49
